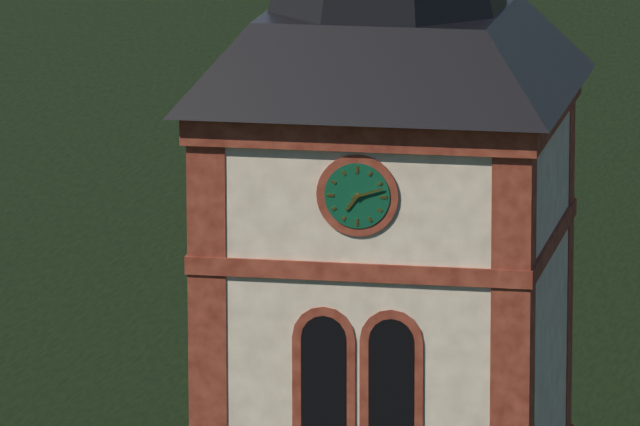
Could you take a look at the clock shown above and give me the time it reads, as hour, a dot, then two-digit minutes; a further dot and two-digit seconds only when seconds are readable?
7.12
